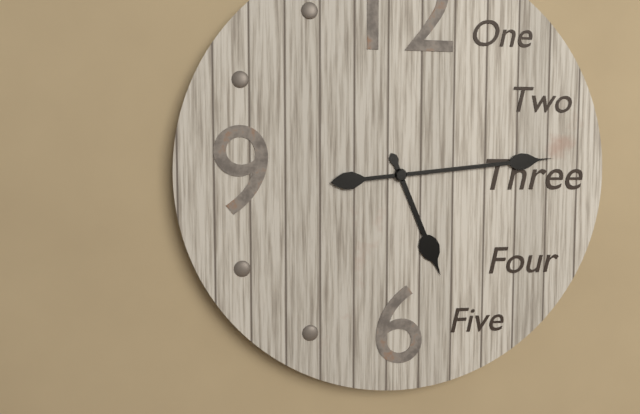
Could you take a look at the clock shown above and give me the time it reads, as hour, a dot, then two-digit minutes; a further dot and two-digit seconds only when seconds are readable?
5.14
